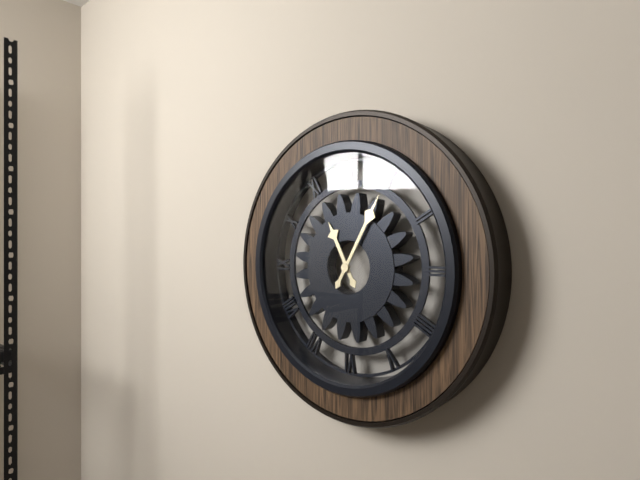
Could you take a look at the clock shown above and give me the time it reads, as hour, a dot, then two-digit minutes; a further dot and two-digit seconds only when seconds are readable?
11.05
